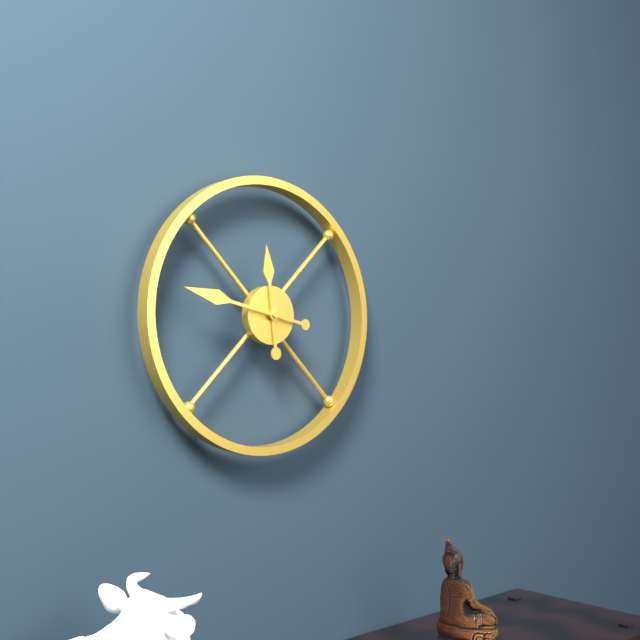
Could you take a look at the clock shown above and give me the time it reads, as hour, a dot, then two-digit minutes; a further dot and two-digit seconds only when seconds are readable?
11.47
